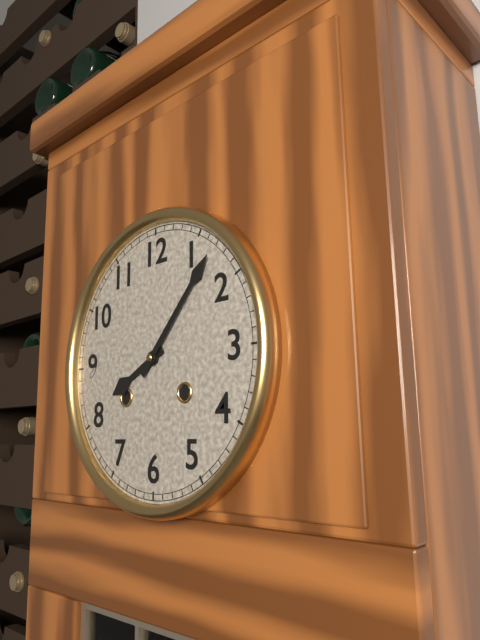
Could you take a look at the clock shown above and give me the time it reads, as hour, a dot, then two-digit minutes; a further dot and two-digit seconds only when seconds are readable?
8.07
